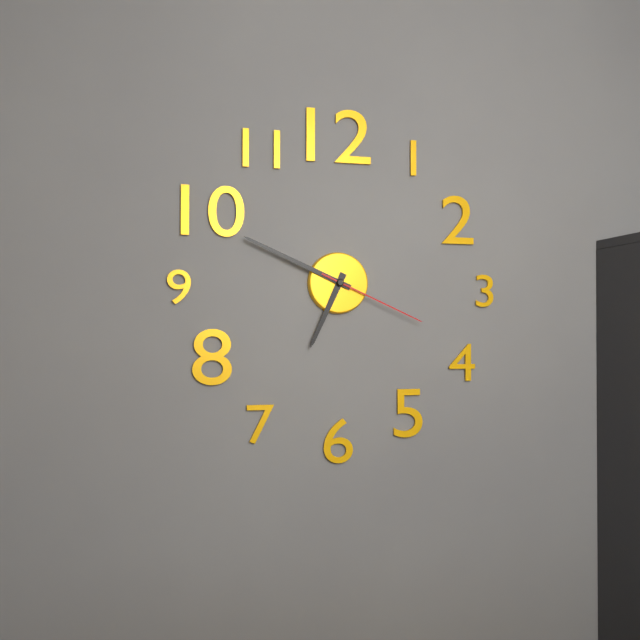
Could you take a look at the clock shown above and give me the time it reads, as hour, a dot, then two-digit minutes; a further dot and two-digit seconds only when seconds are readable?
6.49.19
